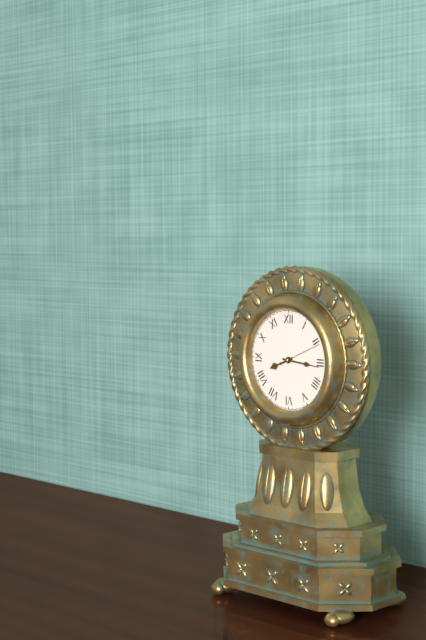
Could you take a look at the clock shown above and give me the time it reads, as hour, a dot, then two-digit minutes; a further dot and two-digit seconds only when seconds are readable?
8.16
